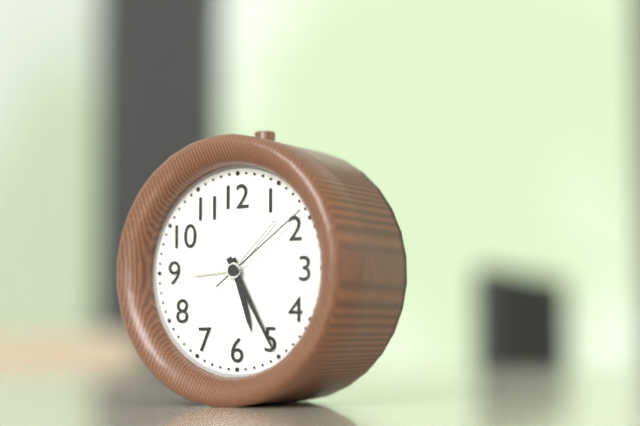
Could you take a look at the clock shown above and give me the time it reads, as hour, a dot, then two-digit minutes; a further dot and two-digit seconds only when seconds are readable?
5.25.09
